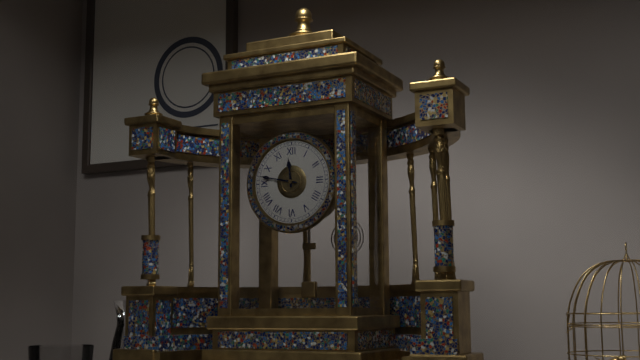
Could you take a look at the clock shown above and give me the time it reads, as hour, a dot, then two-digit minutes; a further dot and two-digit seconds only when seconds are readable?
11.47
